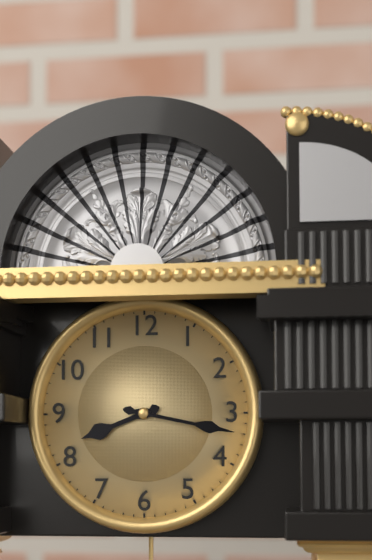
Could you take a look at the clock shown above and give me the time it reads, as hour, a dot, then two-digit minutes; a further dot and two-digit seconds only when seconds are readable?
8.17
